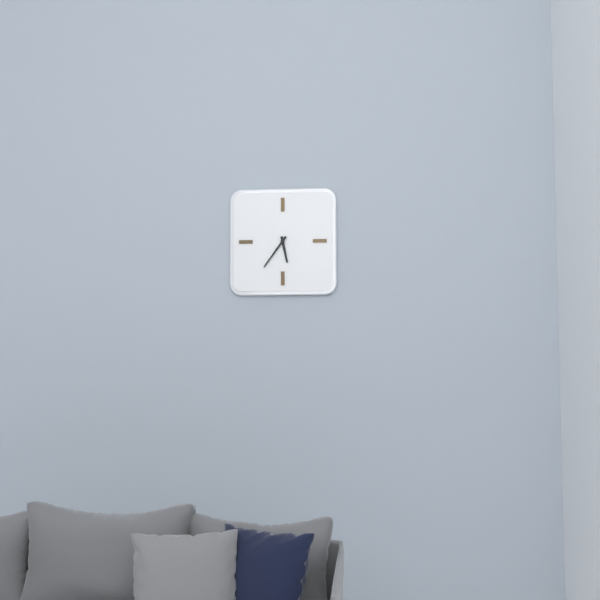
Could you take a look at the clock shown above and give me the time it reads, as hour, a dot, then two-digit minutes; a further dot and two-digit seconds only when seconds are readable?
5.36
